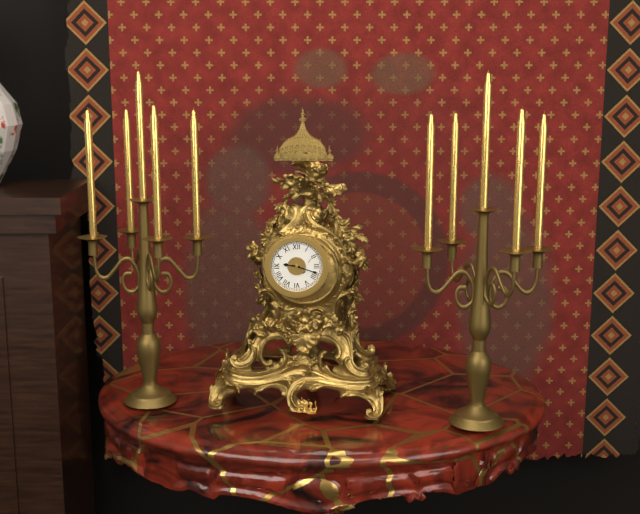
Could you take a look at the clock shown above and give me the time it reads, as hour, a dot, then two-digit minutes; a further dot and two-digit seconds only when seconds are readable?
9.18
